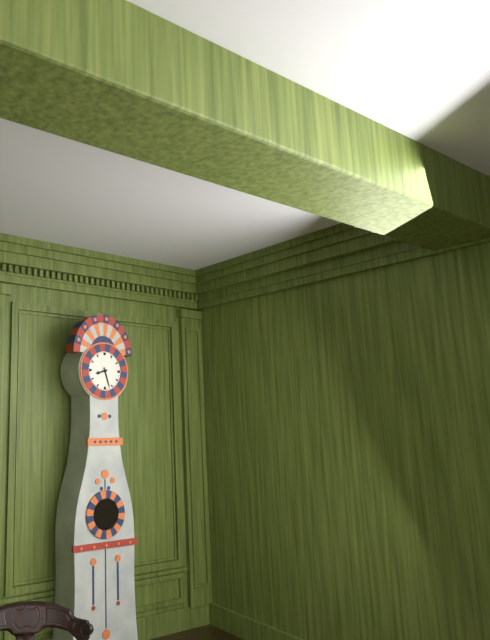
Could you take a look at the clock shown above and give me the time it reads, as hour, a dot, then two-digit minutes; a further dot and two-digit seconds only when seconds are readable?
8.27
